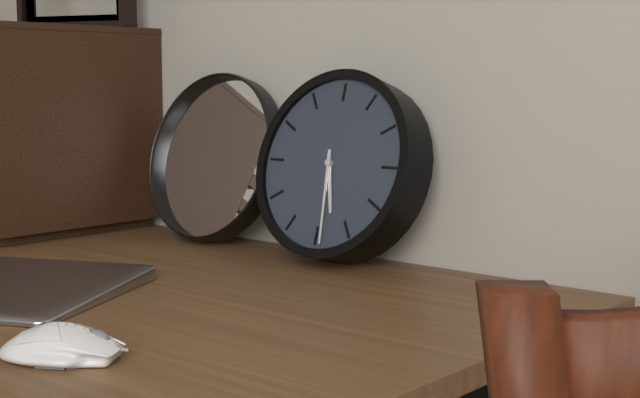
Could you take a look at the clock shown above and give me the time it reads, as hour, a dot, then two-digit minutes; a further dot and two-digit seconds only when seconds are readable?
5.29
